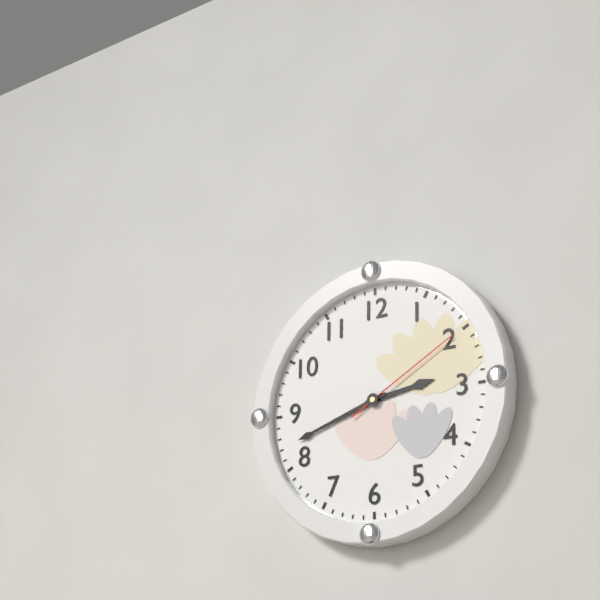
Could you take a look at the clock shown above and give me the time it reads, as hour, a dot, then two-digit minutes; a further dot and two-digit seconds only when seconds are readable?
2.42.10
